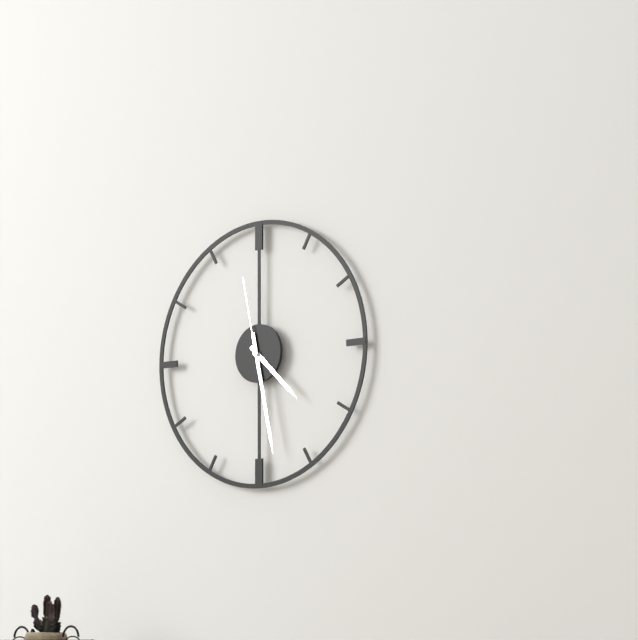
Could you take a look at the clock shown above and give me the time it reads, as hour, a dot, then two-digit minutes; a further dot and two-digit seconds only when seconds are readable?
4.28.58
